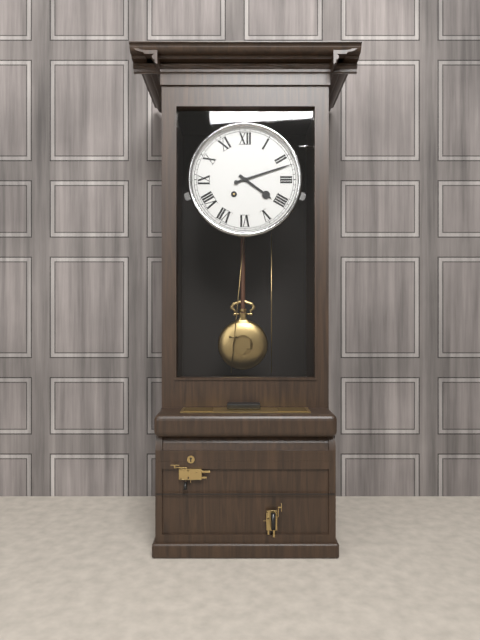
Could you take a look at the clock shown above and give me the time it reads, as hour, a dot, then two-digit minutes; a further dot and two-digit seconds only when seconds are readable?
4.12
